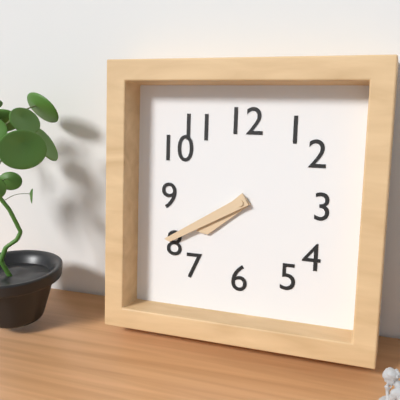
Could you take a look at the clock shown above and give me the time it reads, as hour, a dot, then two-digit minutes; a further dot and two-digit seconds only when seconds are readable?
7.40
